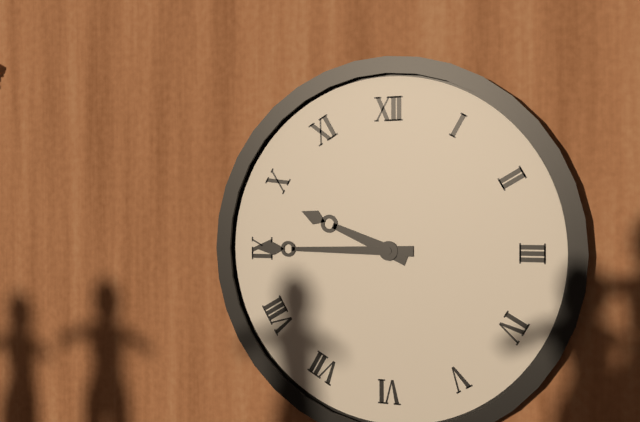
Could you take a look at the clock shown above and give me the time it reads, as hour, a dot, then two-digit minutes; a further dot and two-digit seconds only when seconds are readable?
9.45
